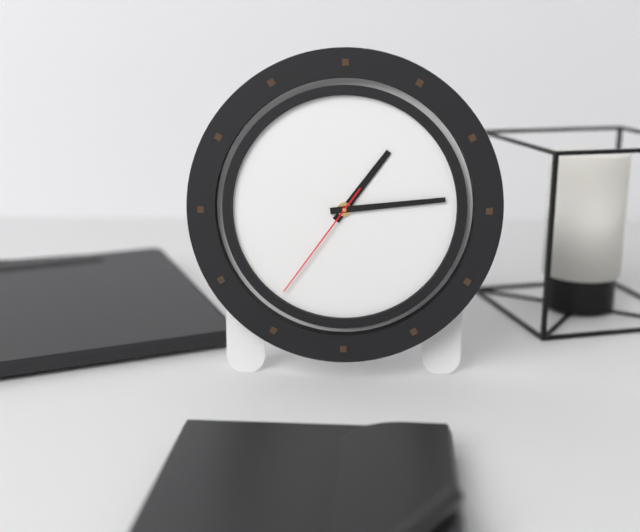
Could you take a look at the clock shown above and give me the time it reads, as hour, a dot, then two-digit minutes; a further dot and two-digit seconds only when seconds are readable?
1.14.36
